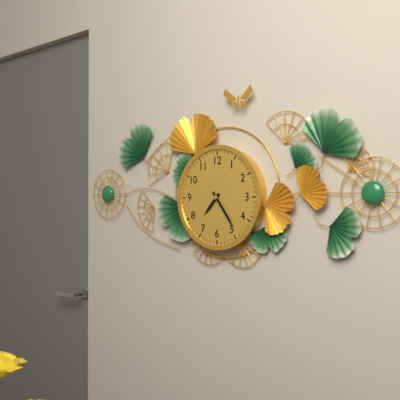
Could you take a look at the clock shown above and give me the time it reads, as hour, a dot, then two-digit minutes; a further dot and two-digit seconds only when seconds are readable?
7.24
